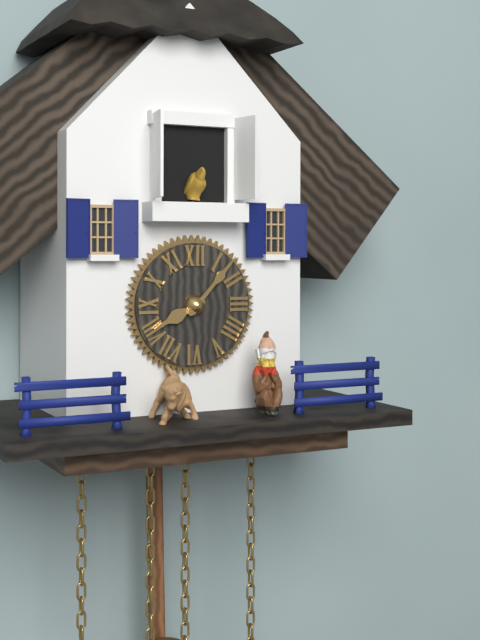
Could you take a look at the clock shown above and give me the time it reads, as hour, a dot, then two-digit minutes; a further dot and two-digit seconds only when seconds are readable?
8.07
